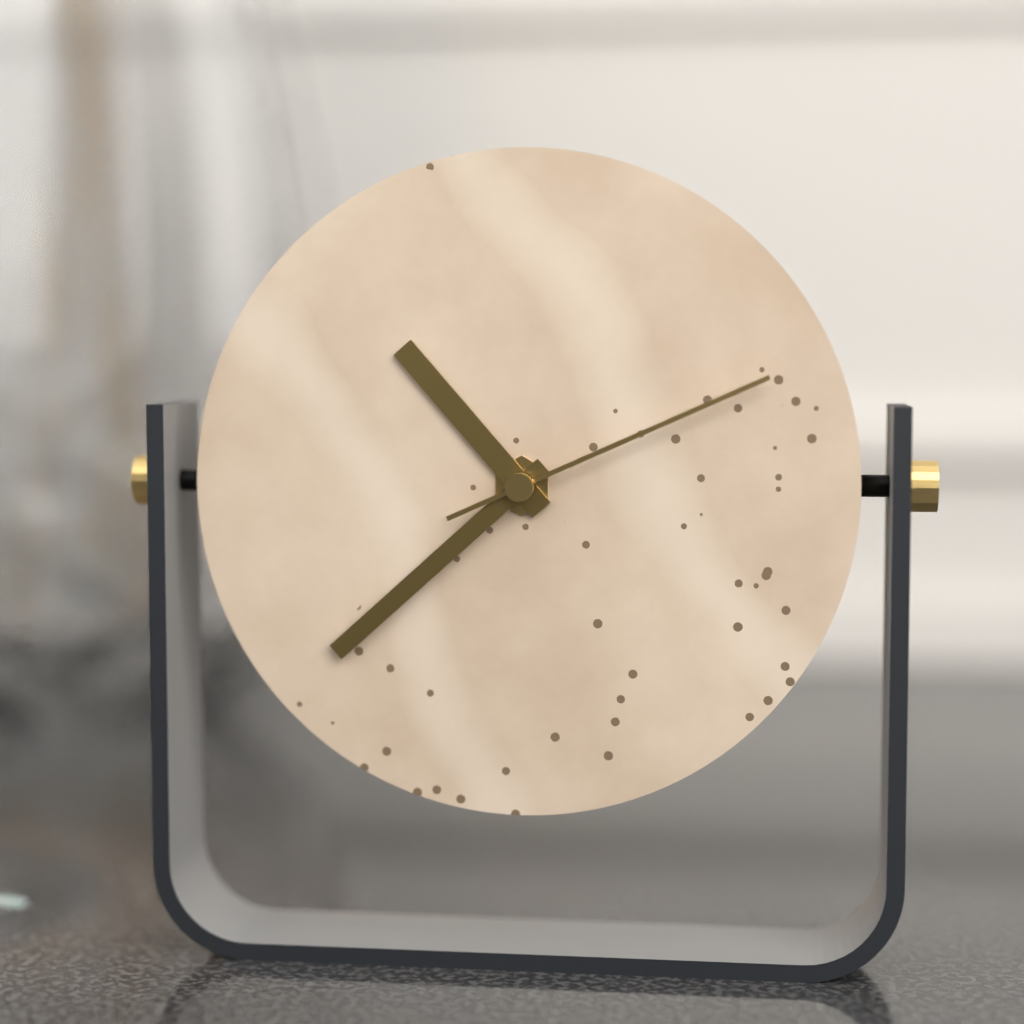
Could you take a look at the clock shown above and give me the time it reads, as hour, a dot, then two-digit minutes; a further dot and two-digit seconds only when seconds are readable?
10.38.11
